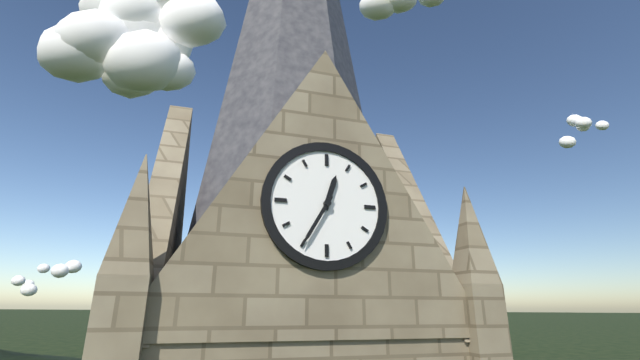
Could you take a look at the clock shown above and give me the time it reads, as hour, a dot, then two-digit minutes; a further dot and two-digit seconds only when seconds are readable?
12.35
